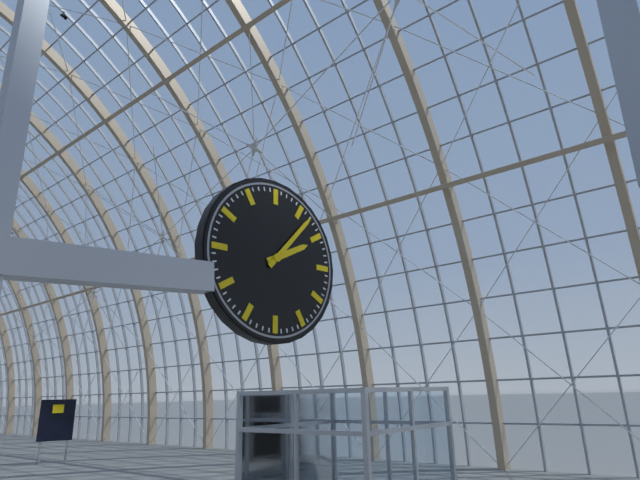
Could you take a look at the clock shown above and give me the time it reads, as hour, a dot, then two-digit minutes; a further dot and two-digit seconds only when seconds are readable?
2.07
